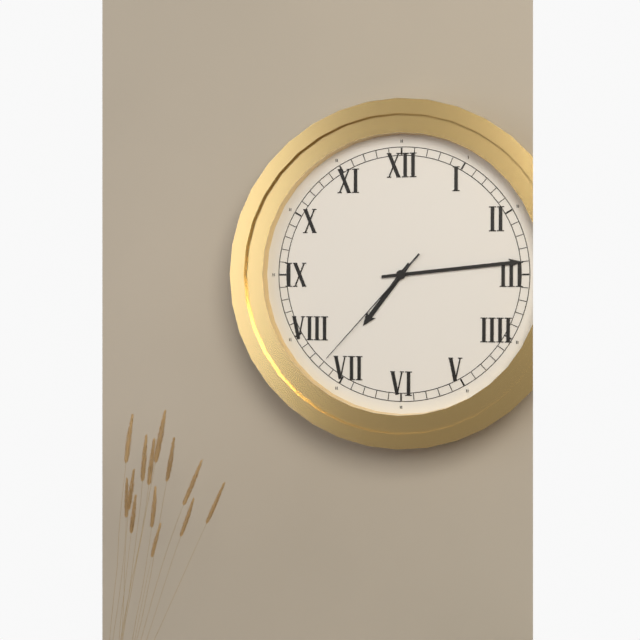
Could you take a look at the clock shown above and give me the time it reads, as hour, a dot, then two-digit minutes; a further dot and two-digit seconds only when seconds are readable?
7.14.37
